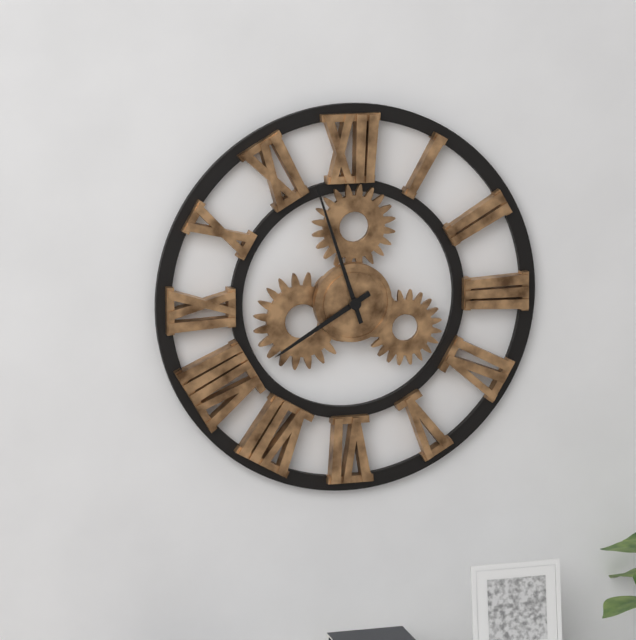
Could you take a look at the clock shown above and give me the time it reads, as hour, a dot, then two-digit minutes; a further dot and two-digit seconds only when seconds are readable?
7.57
